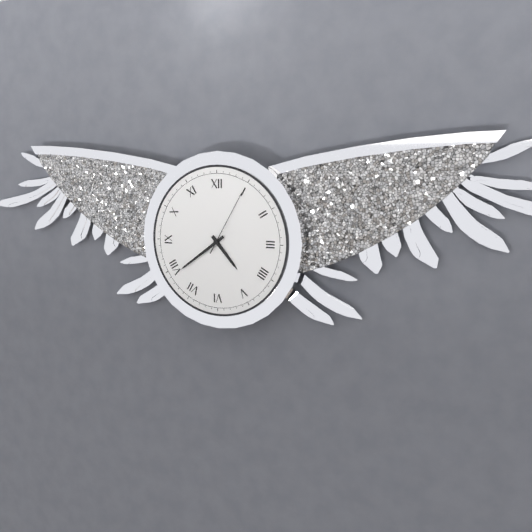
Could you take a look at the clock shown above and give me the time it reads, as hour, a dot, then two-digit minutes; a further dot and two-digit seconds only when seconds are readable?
4.39.05
